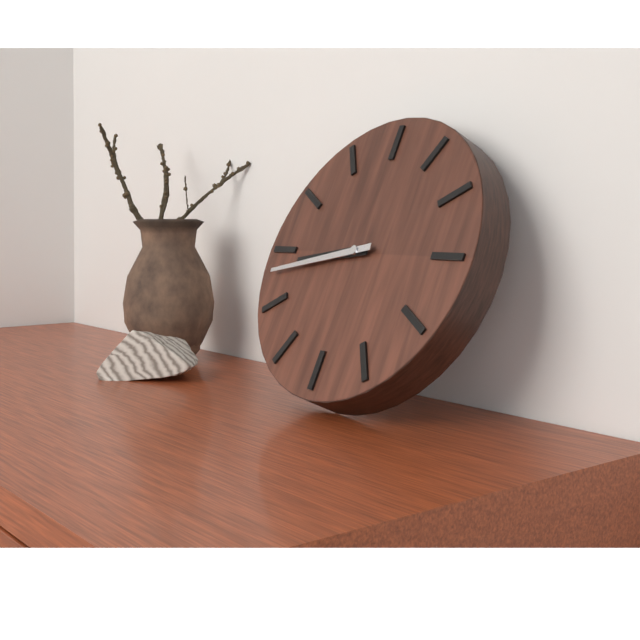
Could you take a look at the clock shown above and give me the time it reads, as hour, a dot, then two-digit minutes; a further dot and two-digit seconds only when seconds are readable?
8.43
